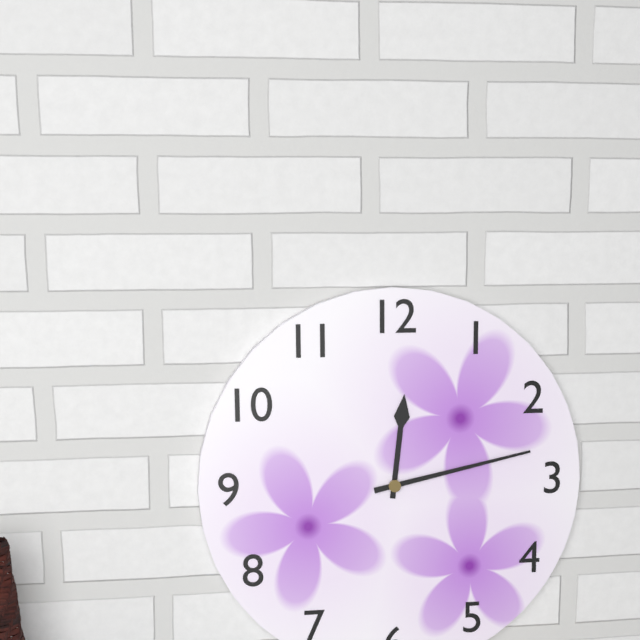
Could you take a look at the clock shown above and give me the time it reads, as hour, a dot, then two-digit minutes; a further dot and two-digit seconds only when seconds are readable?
12.13
